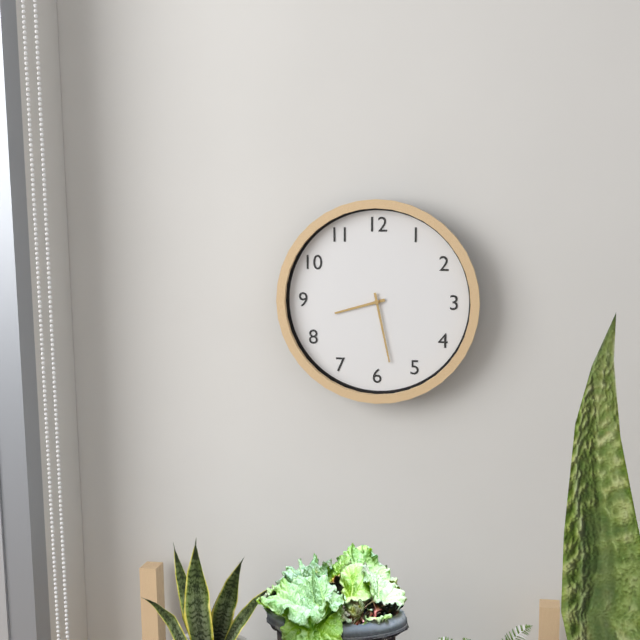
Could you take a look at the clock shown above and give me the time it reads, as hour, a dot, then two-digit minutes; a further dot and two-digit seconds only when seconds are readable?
8.28
